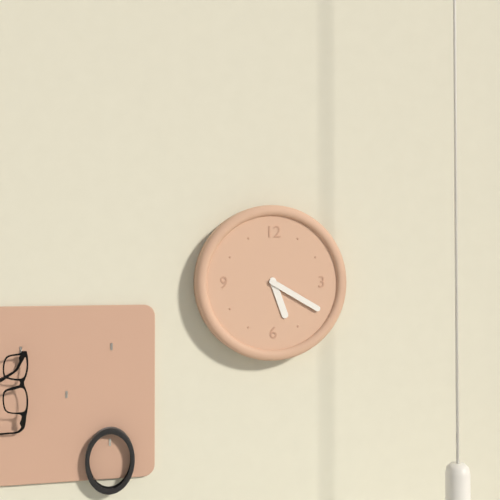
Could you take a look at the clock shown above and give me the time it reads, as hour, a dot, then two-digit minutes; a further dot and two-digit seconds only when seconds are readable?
5.20
